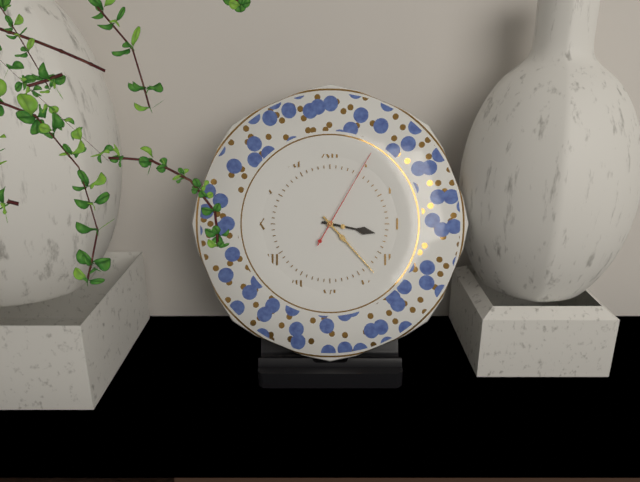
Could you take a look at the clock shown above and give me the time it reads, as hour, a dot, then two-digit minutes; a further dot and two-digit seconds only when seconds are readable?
3.23.05
